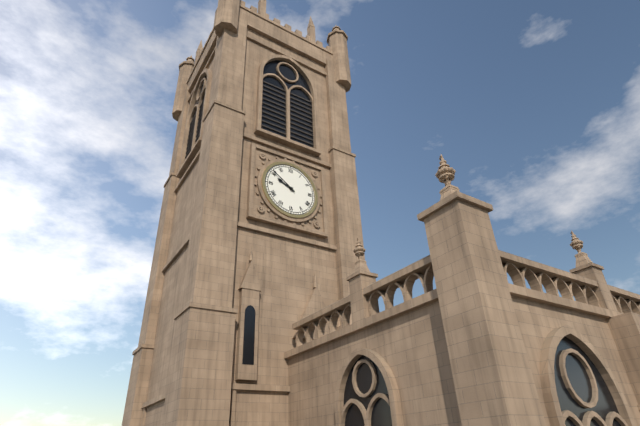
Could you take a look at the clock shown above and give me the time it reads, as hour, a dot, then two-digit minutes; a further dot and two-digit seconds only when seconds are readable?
9.51
